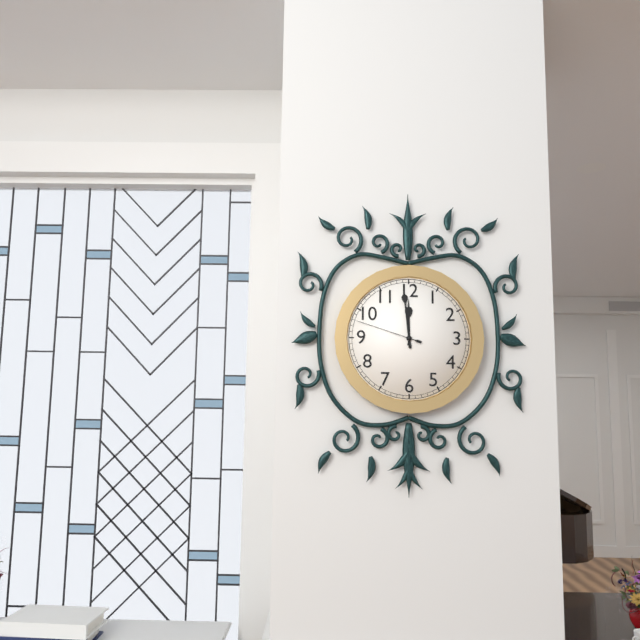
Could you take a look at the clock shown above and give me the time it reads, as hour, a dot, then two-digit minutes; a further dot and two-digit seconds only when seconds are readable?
11.59.48
